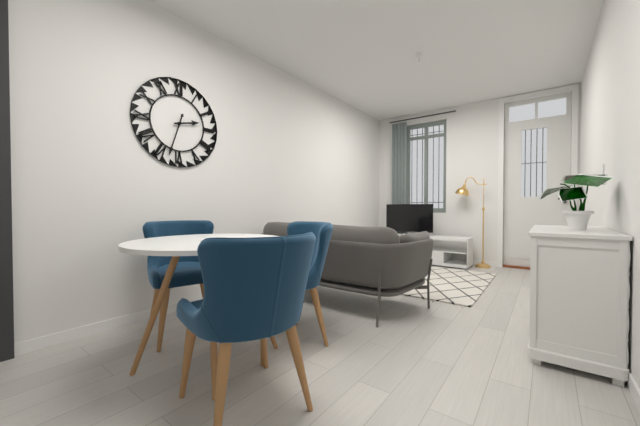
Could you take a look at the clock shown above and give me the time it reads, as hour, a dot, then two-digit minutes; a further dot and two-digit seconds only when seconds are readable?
2.33
